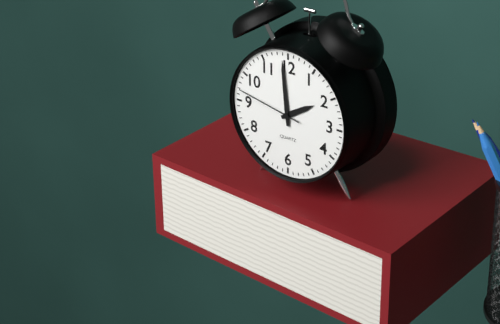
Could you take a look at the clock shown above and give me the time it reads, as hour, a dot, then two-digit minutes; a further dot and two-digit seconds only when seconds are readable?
1.59.47
